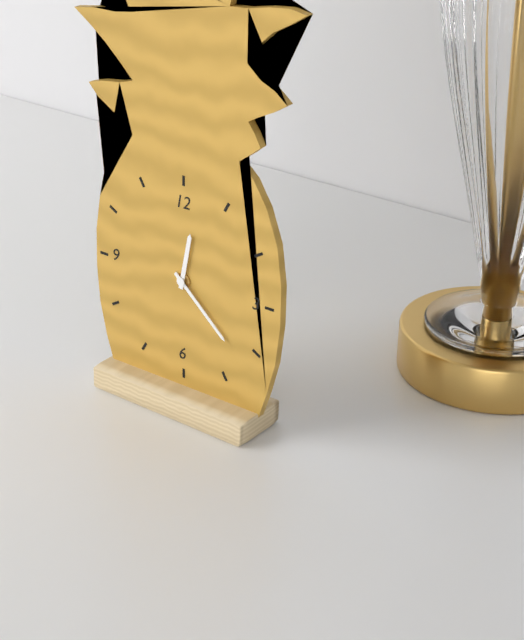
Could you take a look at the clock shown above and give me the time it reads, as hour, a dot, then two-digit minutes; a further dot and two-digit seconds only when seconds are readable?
12.22
